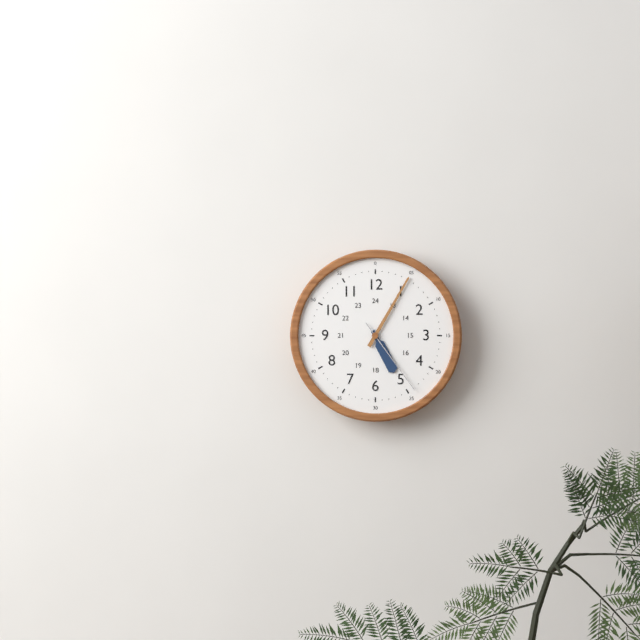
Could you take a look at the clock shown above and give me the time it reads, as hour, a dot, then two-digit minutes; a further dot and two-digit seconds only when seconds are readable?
5.05.24
